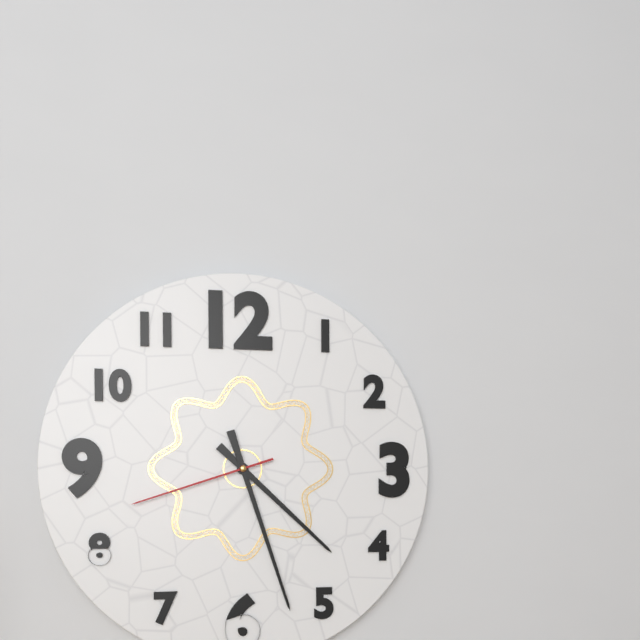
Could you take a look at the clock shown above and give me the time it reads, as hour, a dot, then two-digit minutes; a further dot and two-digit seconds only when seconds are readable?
4.27.42
